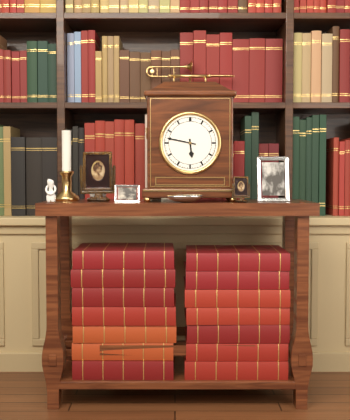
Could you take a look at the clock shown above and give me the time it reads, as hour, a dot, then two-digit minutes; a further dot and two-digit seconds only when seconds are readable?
5.47
